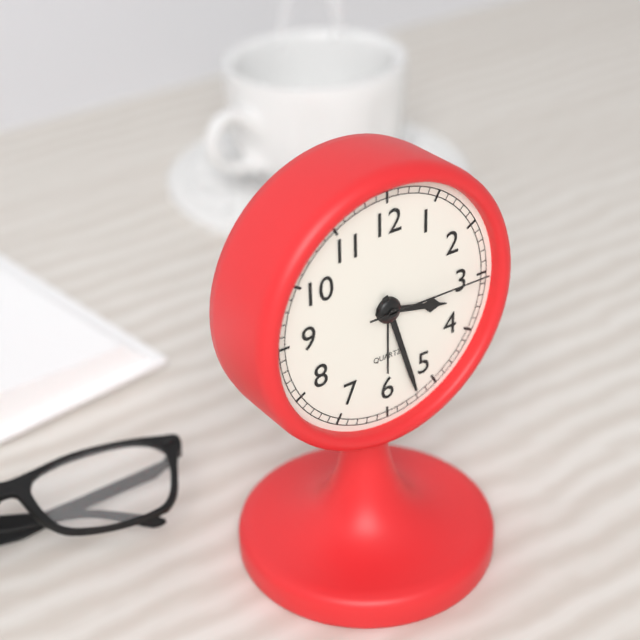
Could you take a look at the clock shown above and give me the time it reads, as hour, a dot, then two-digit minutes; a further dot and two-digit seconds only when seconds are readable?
3.27.15
